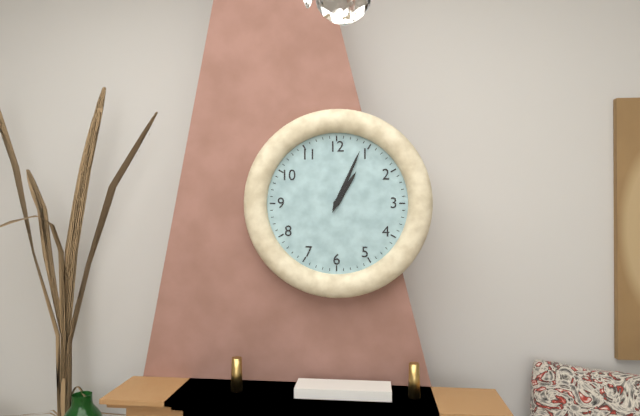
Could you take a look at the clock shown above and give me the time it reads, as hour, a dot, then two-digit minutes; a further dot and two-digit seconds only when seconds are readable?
1.04
